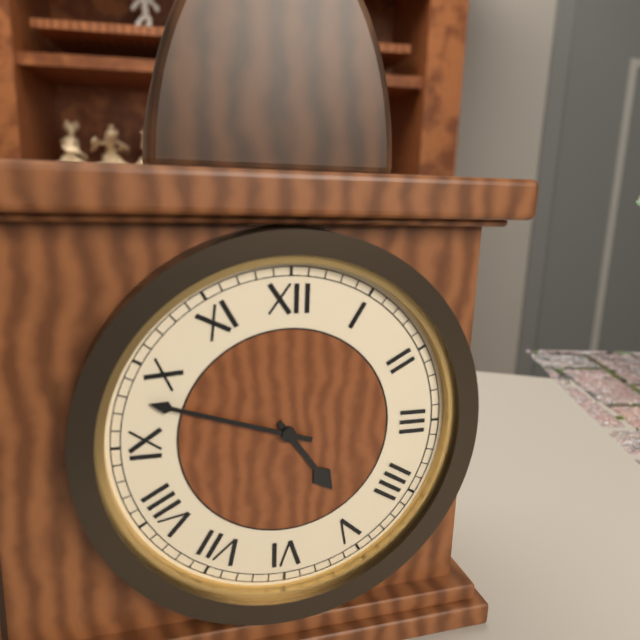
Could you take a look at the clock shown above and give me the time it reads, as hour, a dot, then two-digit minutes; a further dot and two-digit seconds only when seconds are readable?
4.48
